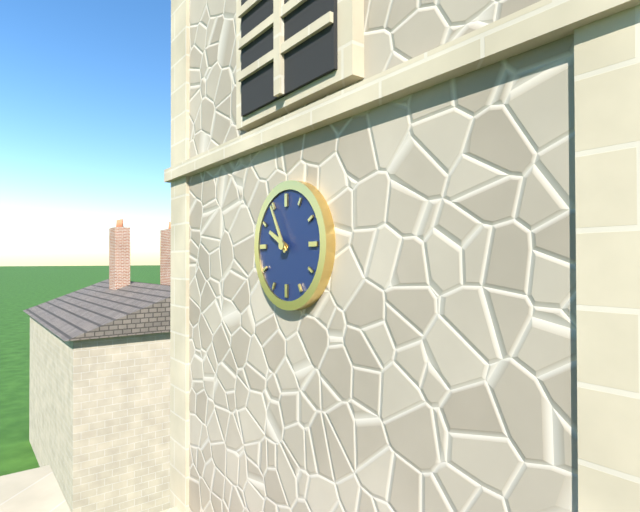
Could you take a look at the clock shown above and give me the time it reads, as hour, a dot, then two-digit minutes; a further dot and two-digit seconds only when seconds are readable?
9.55
